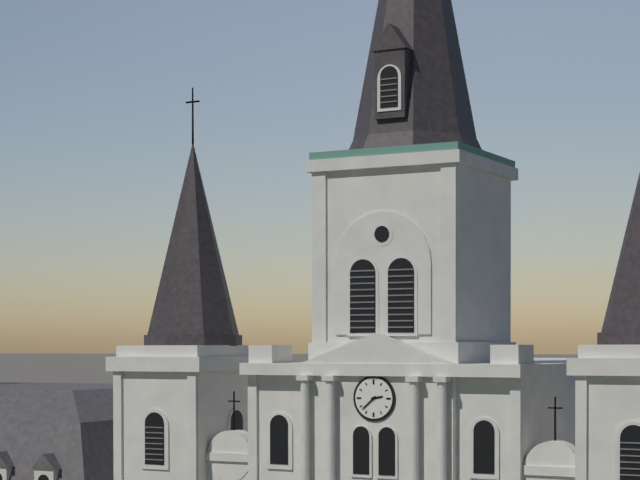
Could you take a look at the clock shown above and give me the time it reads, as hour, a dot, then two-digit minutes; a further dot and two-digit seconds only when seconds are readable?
2.38
